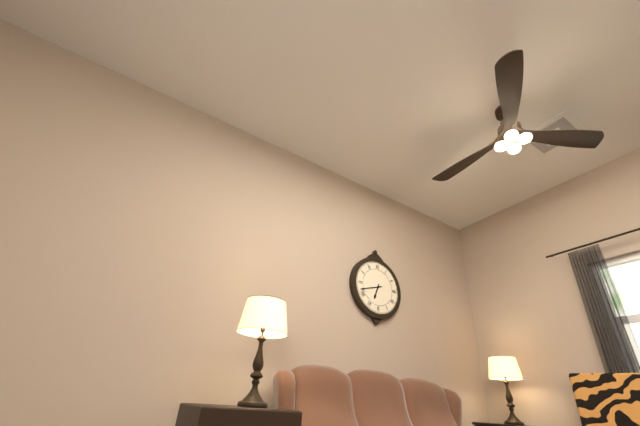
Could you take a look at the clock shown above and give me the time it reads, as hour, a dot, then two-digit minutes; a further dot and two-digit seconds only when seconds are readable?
6.42
